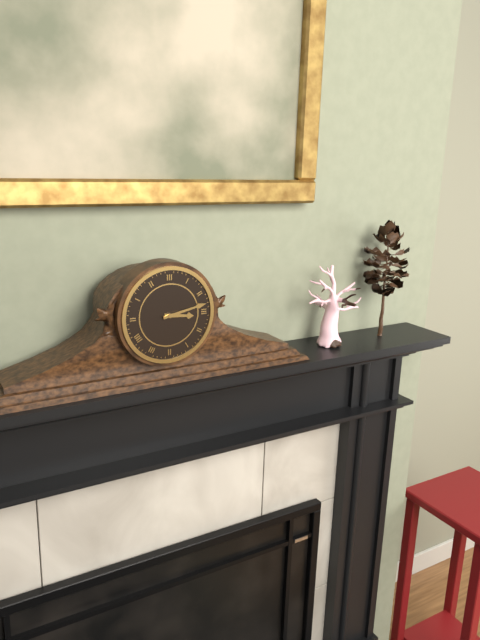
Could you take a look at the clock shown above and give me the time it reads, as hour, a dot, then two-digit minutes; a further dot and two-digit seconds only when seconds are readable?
3.13
